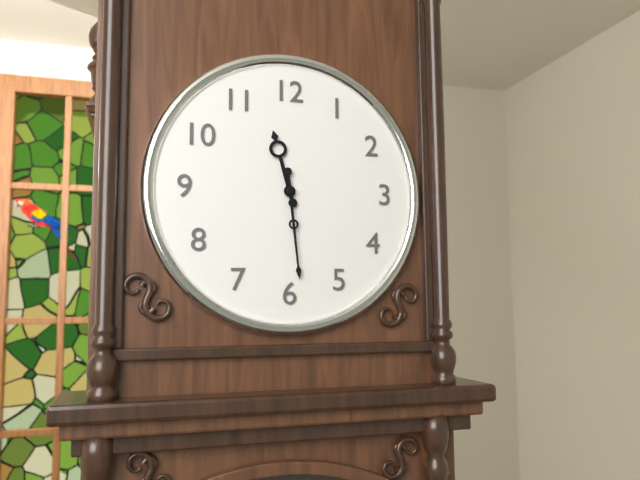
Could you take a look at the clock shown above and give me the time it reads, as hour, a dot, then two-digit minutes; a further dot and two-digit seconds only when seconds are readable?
11.29
